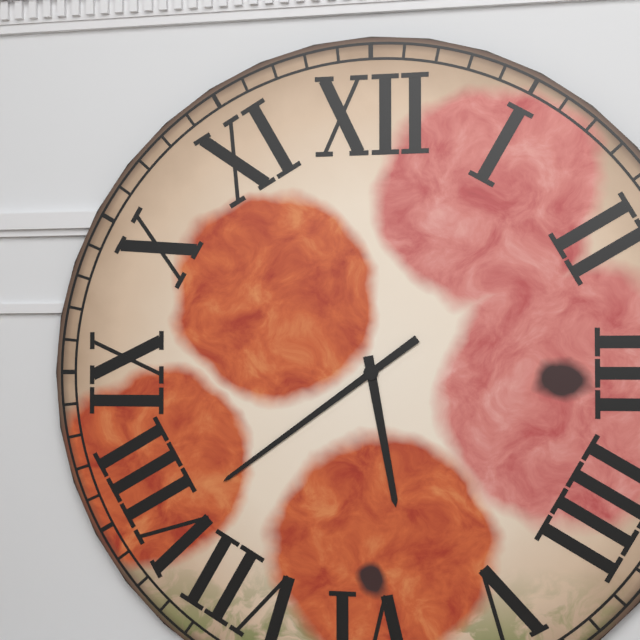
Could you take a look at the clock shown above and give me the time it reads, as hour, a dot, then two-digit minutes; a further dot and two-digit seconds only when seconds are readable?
5.39
